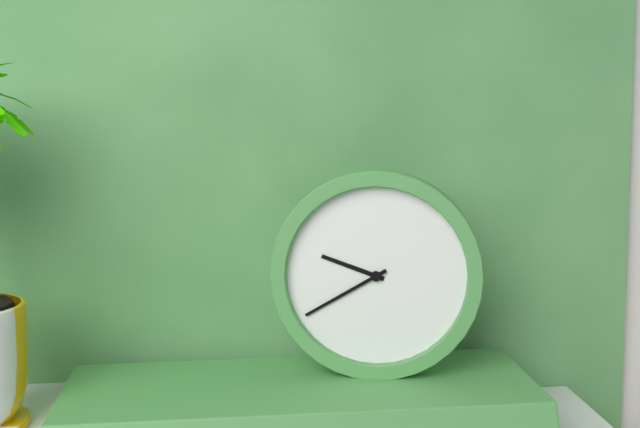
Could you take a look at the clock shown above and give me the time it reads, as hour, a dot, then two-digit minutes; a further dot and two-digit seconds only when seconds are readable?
9.40
